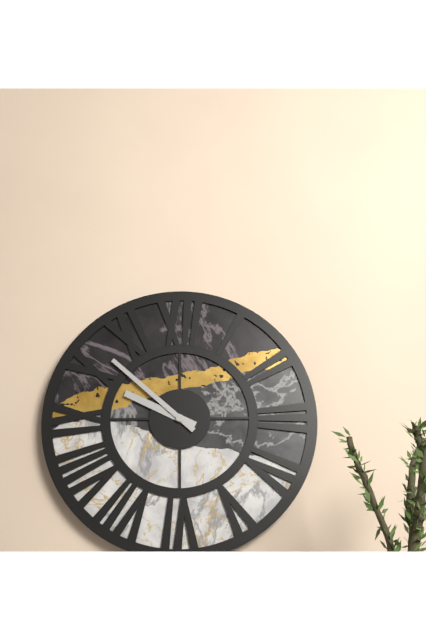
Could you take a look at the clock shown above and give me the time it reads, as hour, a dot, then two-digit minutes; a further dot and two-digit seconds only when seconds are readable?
9.52
